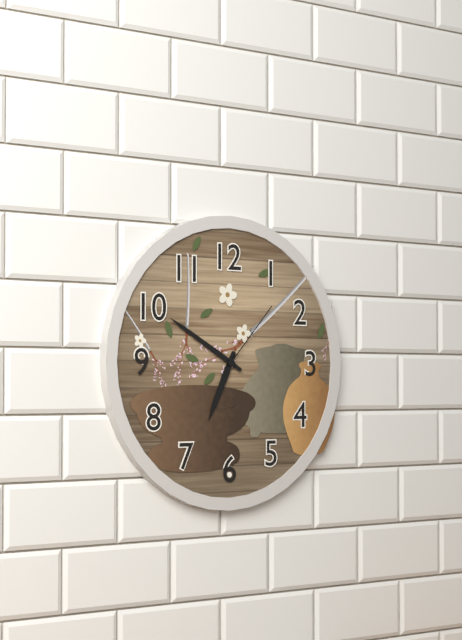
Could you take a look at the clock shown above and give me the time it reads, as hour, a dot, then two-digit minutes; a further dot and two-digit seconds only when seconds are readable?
6.50.07
